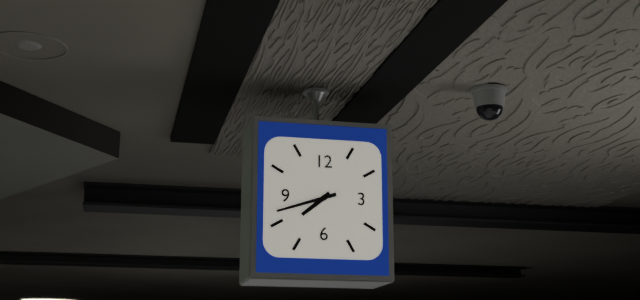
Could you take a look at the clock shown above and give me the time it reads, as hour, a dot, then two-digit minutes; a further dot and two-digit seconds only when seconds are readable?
7.42
